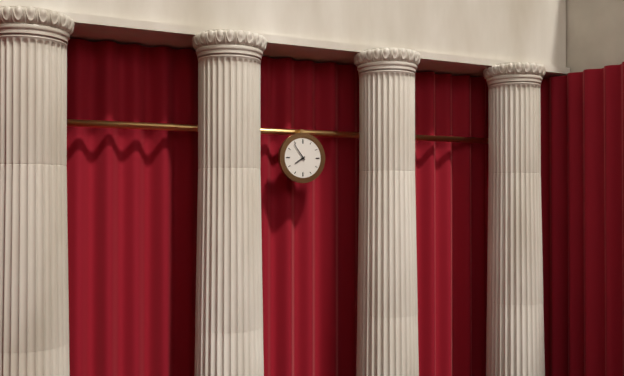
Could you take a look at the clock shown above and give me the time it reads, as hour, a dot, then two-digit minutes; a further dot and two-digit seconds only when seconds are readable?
7.54
